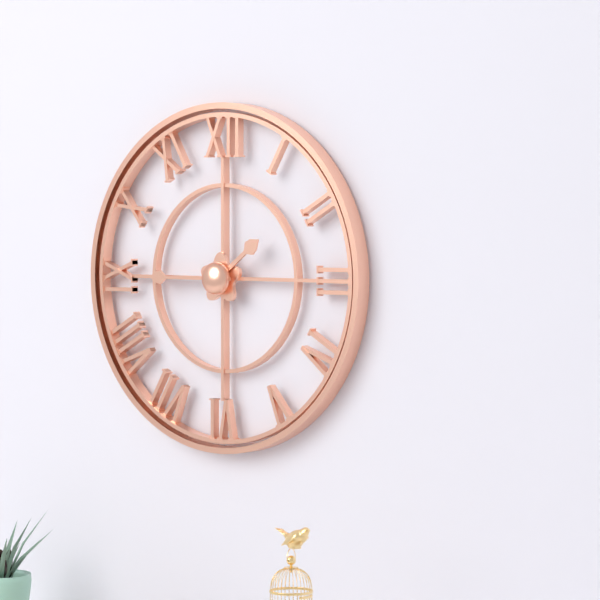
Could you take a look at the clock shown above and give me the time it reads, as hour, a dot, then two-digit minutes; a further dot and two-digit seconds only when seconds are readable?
1.45
